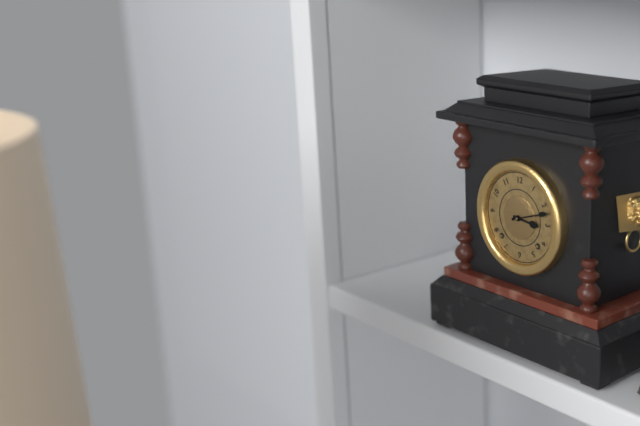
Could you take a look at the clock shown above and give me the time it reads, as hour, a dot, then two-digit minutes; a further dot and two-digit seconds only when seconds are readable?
3.12
